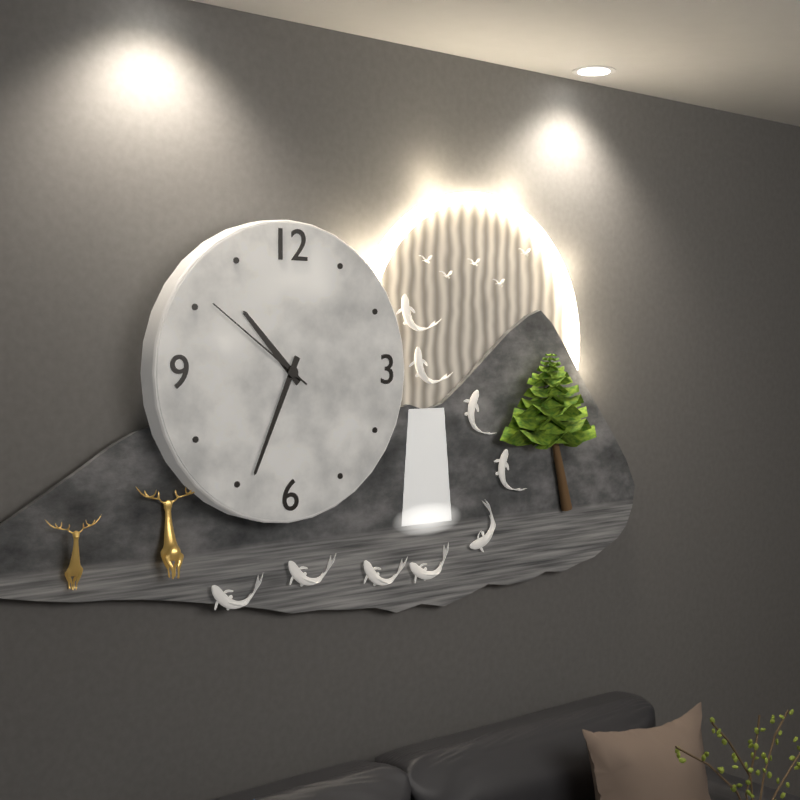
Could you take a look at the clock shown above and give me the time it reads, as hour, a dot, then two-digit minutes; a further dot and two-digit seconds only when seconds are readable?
10.34.51
